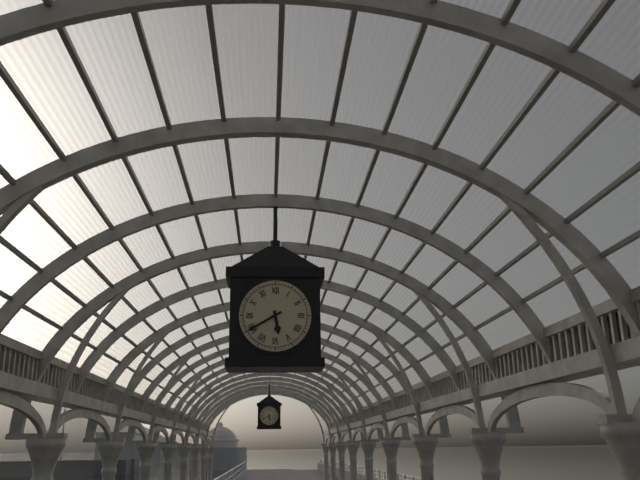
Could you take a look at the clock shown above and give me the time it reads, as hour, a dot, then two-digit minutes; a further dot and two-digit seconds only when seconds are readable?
5.40
